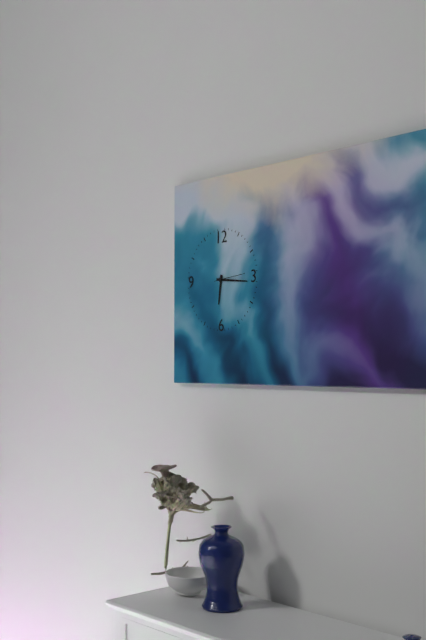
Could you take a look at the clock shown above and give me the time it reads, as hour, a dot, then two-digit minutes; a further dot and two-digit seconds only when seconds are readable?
6.16
